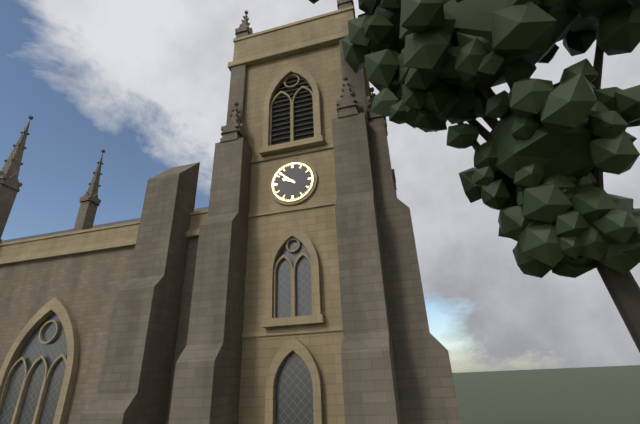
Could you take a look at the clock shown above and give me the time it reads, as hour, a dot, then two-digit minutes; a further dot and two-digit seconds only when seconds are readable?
9.52
